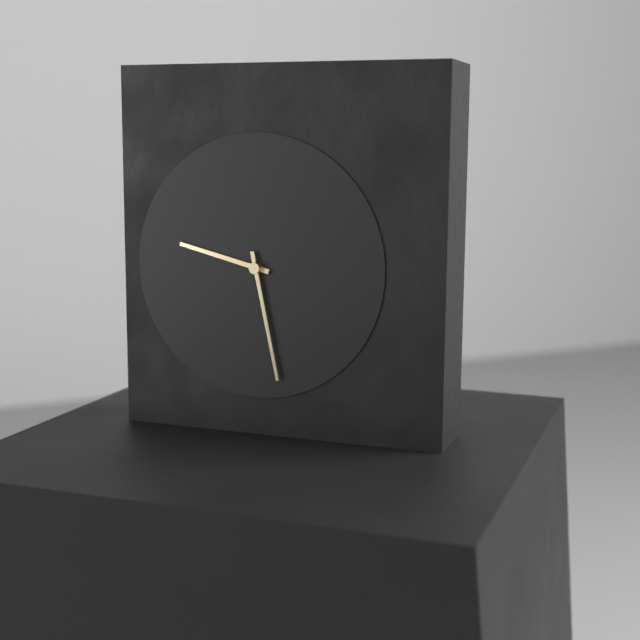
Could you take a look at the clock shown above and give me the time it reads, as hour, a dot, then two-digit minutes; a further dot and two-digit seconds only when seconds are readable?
9.28
